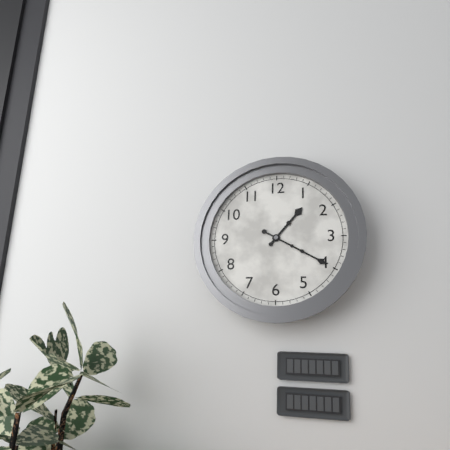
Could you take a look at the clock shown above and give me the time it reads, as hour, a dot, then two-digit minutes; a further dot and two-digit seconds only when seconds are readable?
1.20
